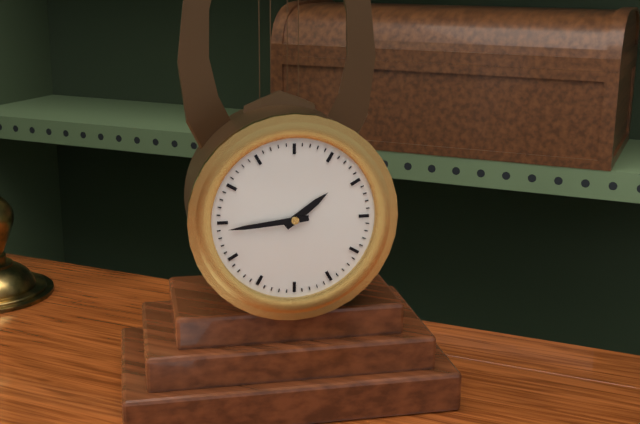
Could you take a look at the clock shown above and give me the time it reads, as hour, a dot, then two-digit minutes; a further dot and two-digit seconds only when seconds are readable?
1.44
